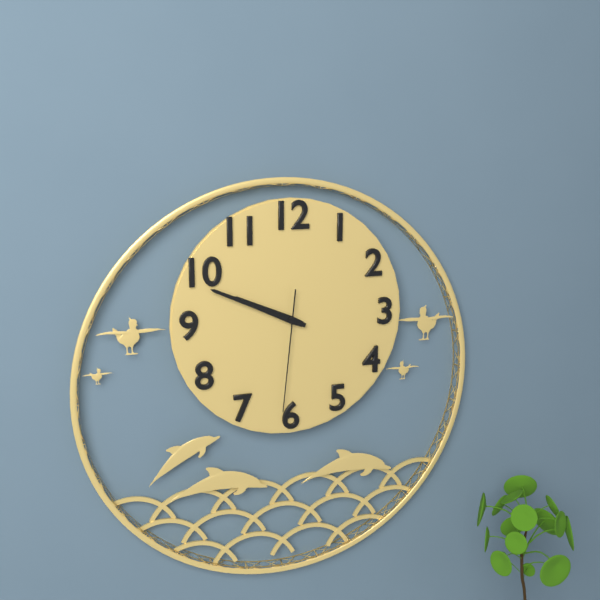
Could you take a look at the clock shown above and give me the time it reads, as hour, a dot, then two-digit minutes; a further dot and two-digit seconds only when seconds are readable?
9.49.31
